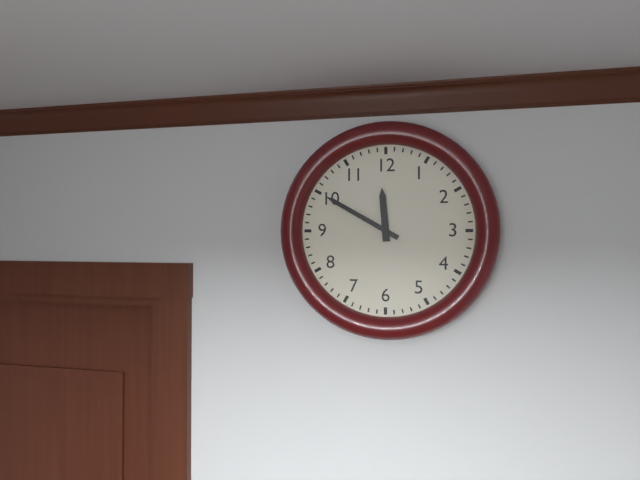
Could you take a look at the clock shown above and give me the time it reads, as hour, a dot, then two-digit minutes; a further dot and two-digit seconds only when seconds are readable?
11.50
